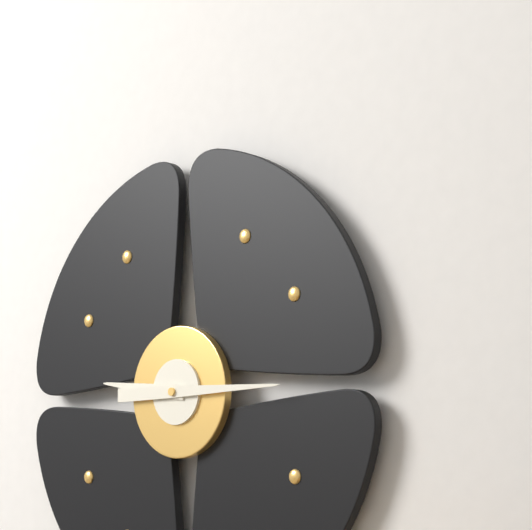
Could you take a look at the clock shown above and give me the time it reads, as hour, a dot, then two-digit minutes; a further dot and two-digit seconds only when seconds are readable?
9.15
